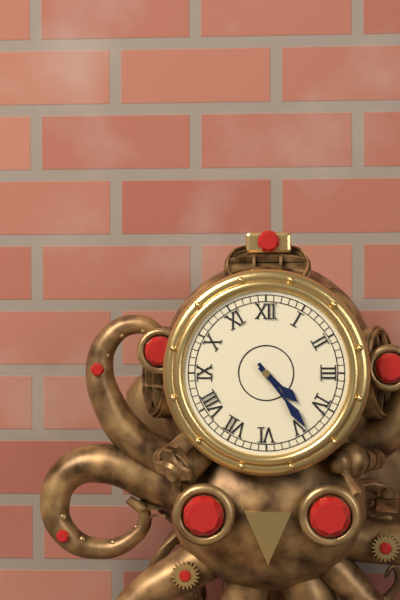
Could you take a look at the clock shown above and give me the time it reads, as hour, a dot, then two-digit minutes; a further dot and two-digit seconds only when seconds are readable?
4.24
